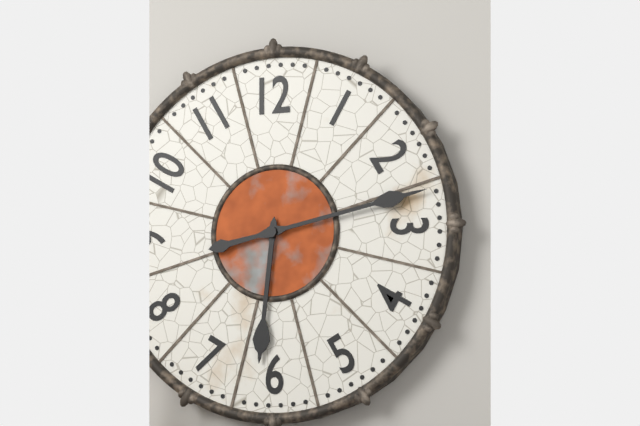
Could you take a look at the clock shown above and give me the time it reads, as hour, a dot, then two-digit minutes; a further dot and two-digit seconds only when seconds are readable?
6.13
